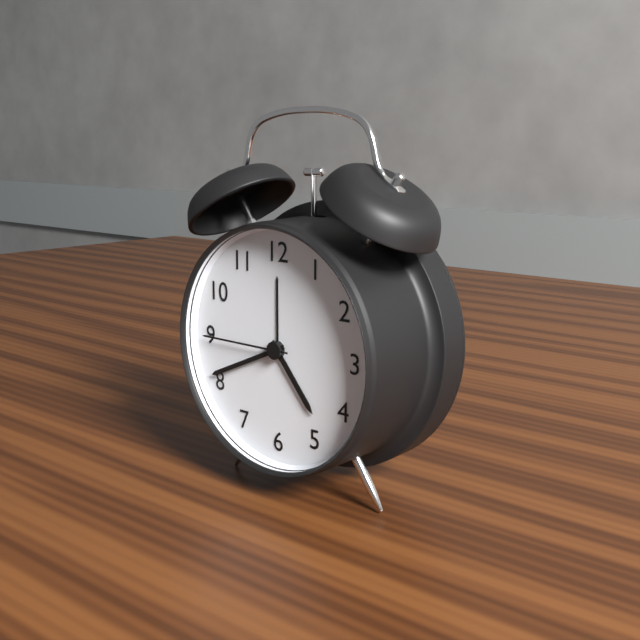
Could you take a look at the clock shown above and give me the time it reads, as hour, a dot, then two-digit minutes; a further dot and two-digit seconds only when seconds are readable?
4.41.45
